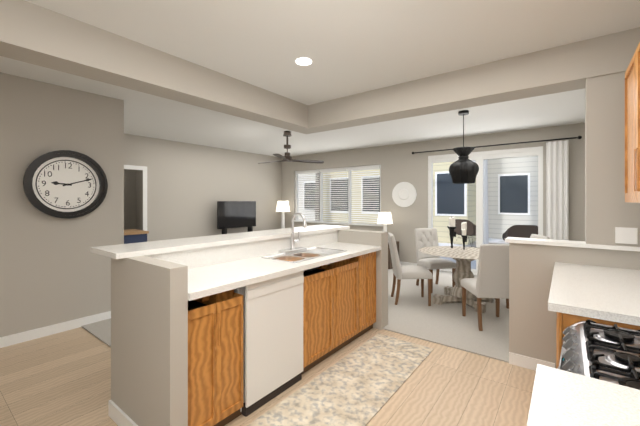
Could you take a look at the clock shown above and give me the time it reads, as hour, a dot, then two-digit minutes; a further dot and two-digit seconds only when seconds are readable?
9.12
